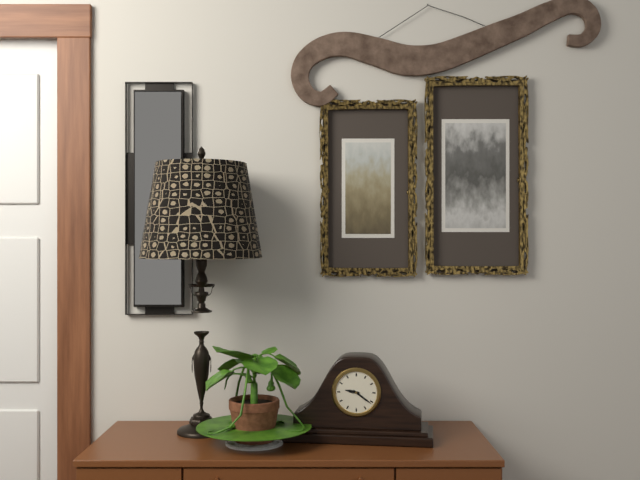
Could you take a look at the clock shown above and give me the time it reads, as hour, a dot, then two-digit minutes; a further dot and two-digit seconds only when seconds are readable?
9.21
